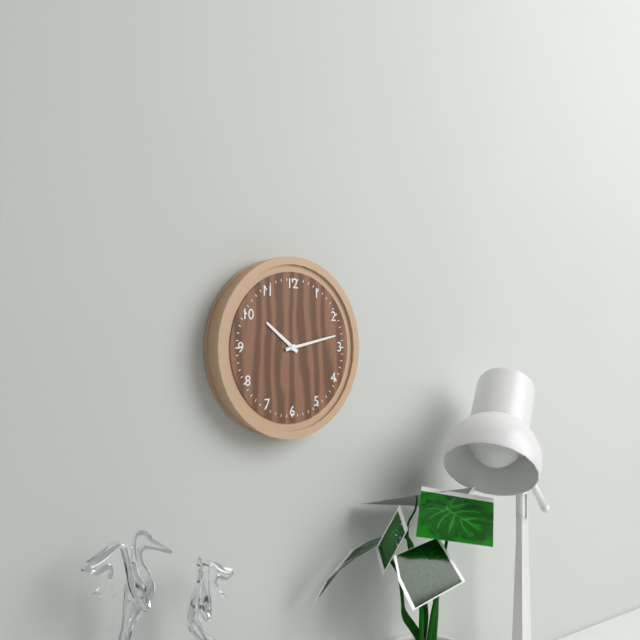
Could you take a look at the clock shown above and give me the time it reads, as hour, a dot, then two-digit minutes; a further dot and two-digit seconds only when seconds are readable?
10.13
